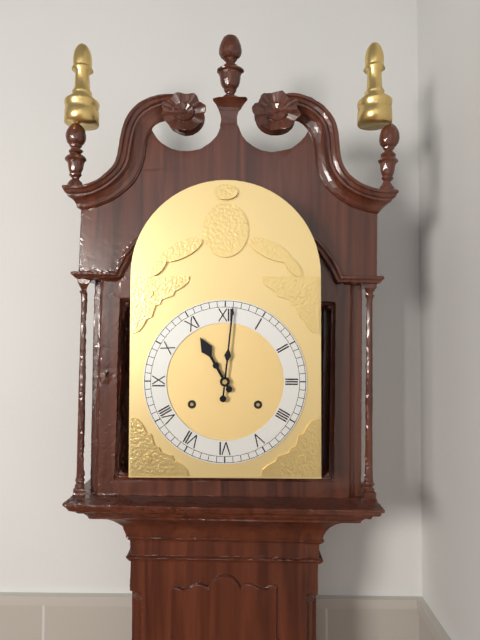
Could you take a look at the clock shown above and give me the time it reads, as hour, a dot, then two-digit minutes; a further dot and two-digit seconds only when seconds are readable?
11.01
